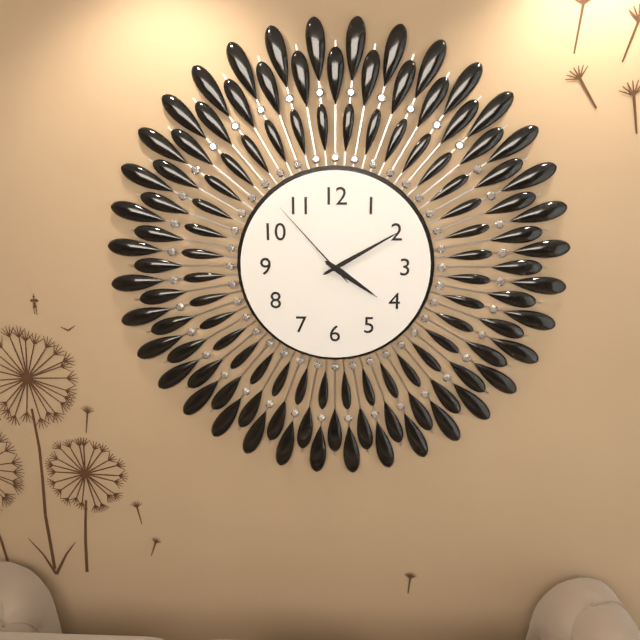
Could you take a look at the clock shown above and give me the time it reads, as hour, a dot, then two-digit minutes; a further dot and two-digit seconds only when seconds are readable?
4.10.53
